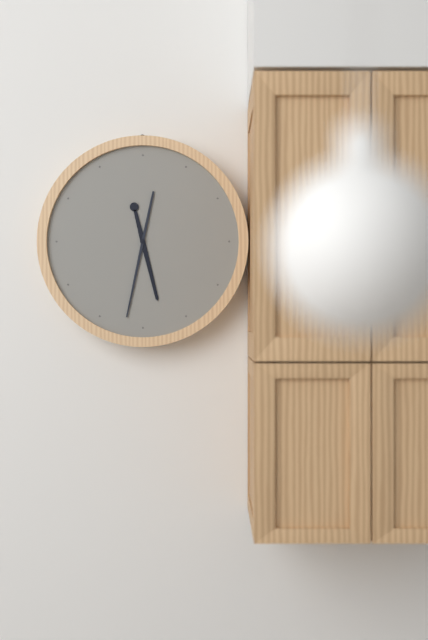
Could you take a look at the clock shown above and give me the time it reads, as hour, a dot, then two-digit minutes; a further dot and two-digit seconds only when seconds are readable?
5.32
